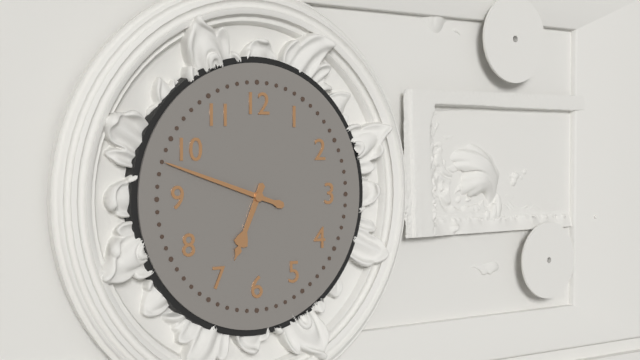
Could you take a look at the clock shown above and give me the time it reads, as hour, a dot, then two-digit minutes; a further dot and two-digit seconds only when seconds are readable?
6.48
